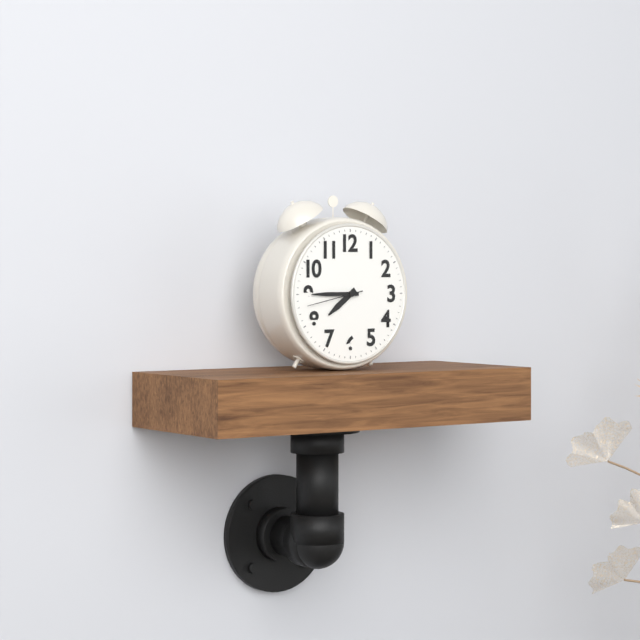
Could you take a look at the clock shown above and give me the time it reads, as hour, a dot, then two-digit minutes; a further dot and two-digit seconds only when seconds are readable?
7.45.43
